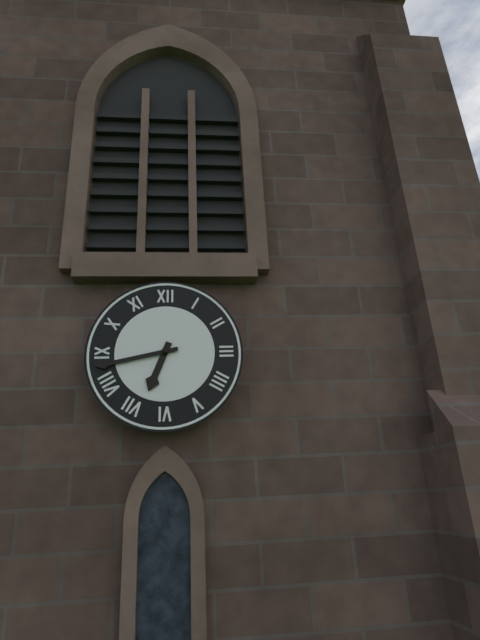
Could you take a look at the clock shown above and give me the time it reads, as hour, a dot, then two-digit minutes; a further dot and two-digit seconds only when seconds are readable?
6.43
